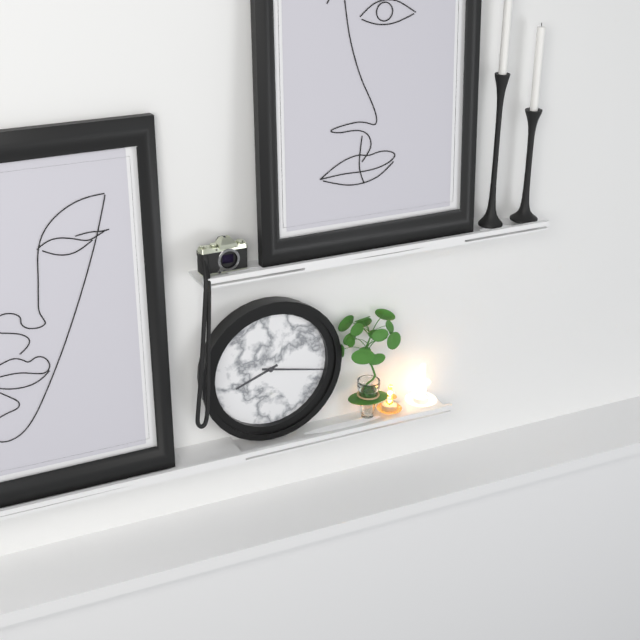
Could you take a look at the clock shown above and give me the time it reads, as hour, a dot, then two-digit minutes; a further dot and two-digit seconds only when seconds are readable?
8.17
